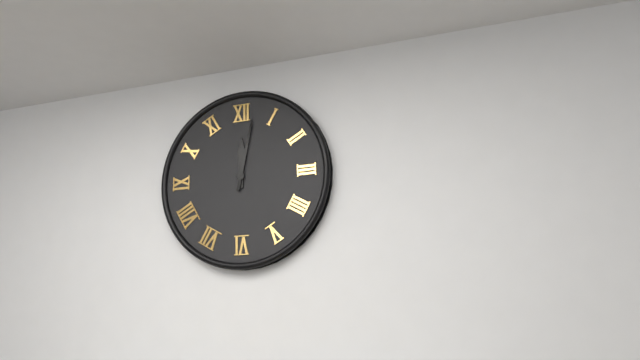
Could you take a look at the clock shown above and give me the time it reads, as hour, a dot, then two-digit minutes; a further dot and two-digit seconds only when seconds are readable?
12.02
